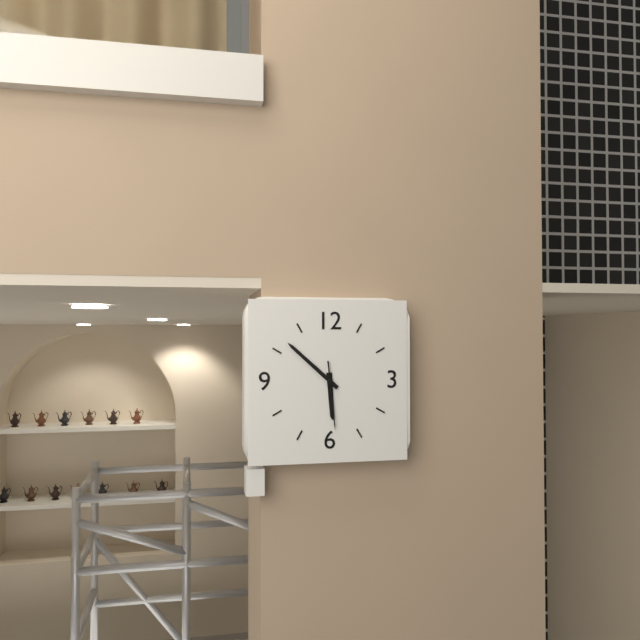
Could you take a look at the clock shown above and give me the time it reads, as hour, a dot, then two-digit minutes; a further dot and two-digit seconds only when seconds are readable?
5.52.29
